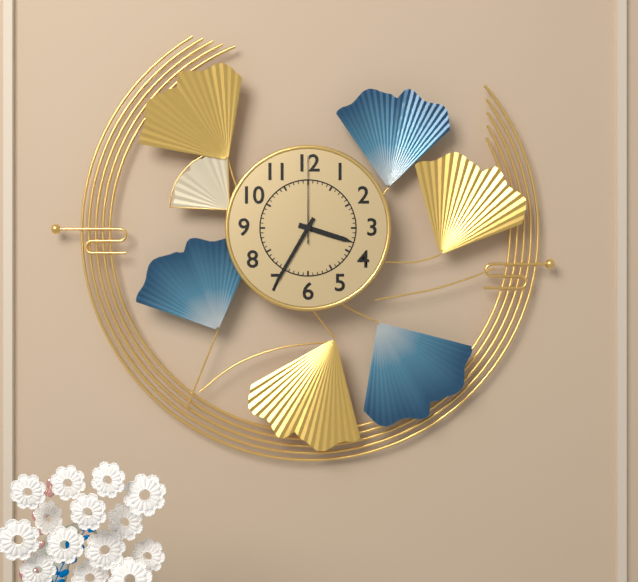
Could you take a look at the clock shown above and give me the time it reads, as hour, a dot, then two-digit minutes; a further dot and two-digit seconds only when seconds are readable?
3.35.00
